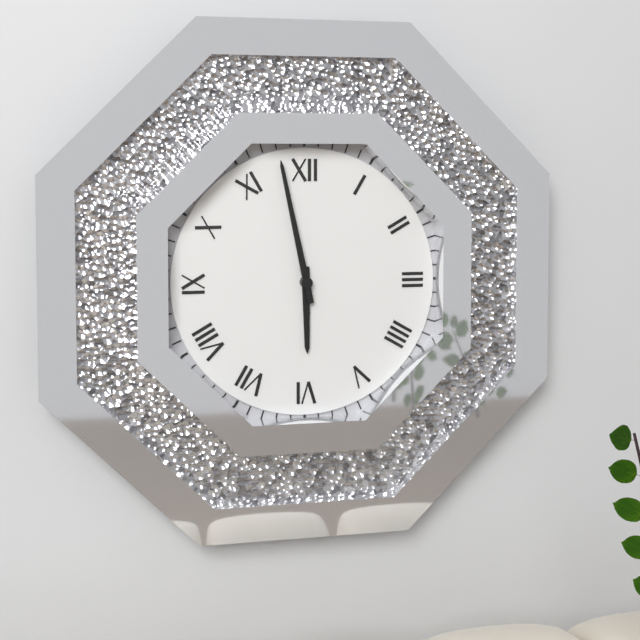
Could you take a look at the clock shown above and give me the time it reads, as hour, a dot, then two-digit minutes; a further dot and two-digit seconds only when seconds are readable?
5.58
